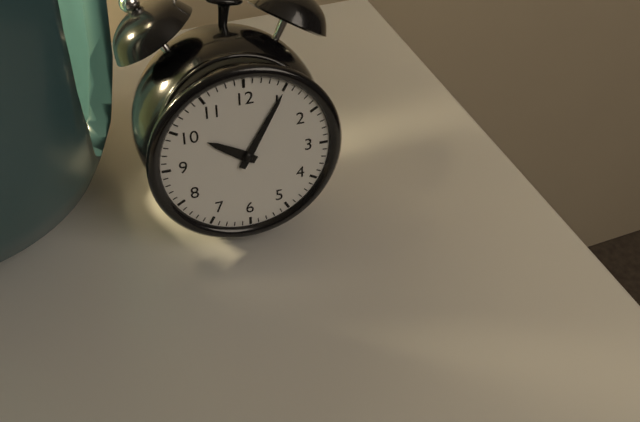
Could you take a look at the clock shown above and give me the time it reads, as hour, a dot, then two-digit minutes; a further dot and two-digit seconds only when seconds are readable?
10.05
